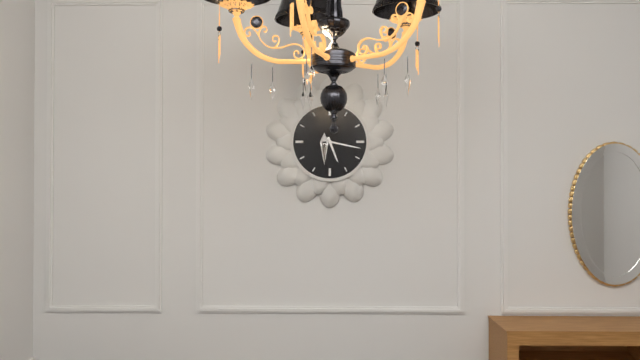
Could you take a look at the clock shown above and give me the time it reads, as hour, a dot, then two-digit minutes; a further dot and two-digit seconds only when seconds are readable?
5.17
